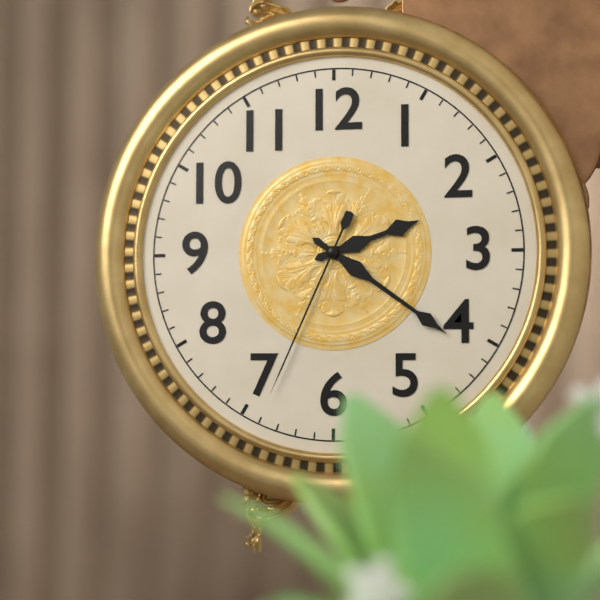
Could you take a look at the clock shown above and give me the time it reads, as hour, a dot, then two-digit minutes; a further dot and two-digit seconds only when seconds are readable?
2.21.34
